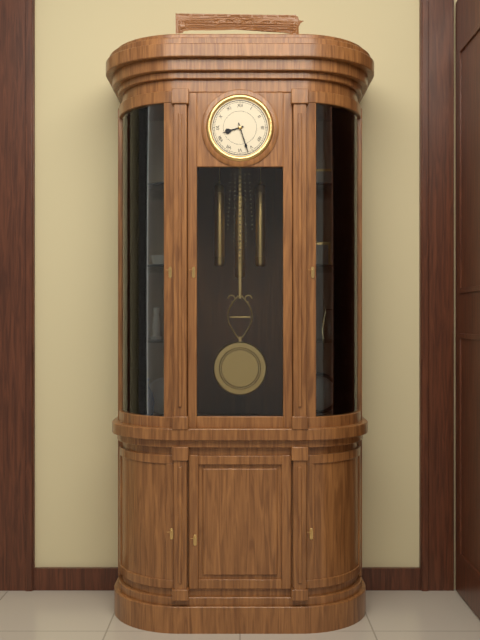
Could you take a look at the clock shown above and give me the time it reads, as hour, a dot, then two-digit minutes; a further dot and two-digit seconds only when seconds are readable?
8.27
